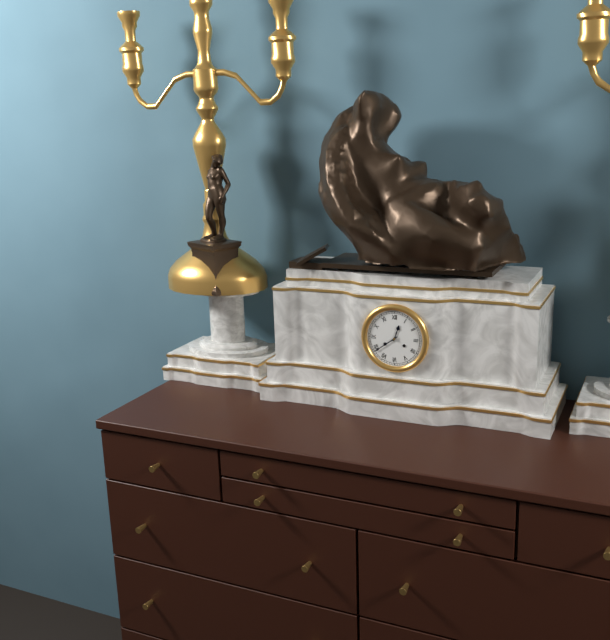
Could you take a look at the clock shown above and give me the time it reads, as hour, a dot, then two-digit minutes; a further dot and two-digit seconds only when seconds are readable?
12.39
